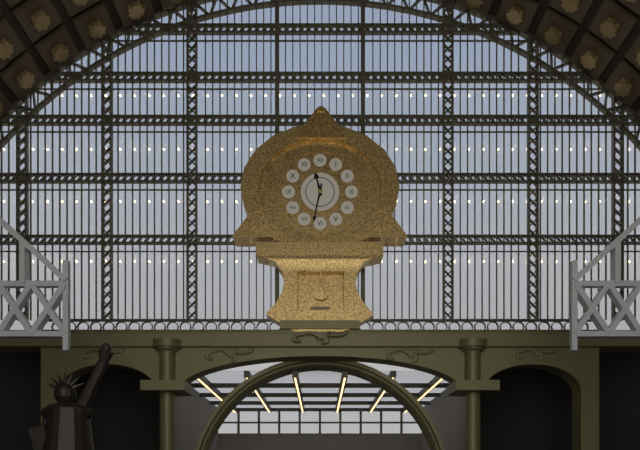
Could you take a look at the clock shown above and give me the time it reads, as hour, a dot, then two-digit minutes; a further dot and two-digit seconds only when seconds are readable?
11.32
